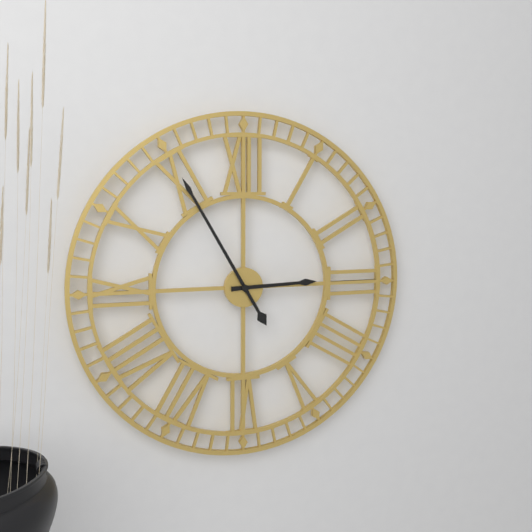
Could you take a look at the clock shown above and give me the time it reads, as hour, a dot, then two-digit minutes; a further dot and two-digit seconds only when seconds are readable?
2.55
